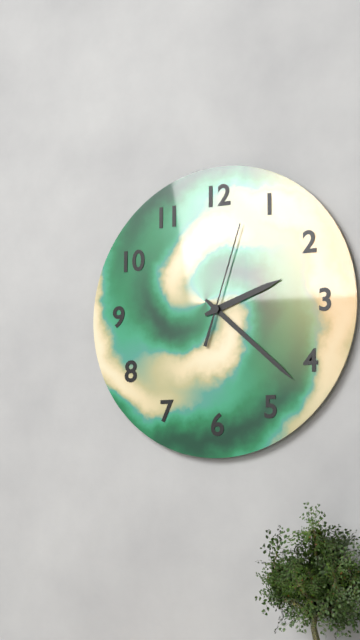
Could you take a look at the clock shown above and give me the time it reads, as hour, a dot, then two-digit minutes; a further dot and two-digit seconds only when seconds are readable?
2.22.03
